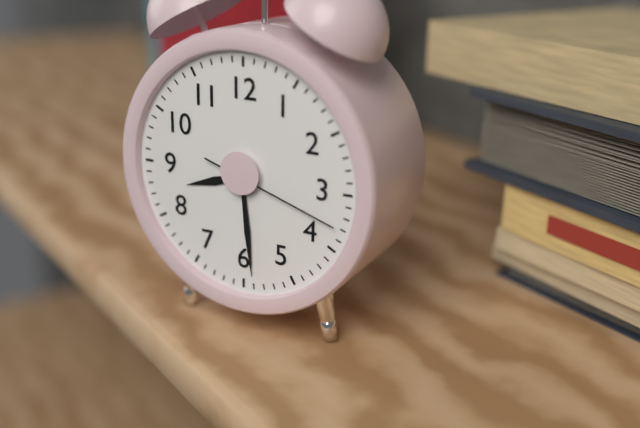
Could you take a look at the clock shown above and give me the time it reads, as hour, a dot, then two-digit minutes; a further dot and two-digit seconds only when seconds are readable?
8.29.18
